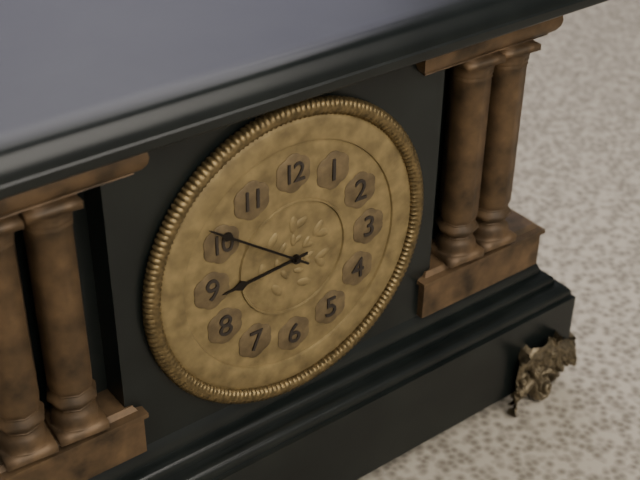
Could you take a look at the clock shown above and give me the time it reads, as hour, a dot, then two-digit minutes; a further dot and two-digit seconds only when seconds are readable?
8.51
